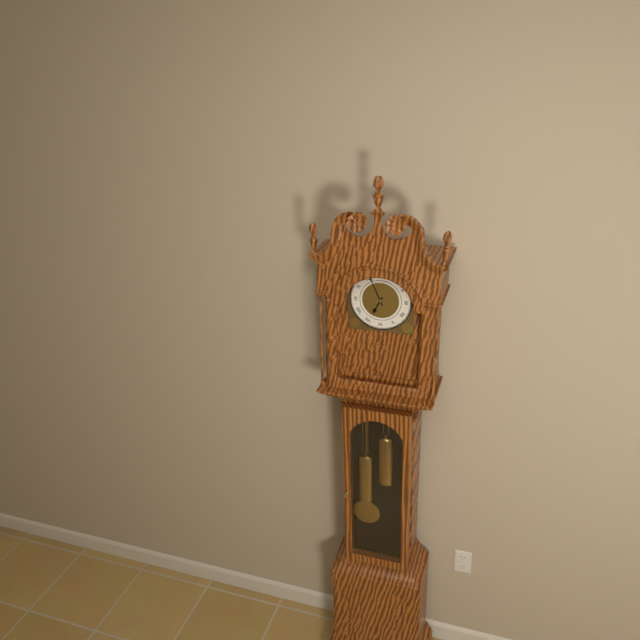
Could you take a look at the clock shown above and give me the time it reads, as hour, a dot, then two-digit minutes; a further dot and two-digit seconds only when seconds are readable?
6.56
